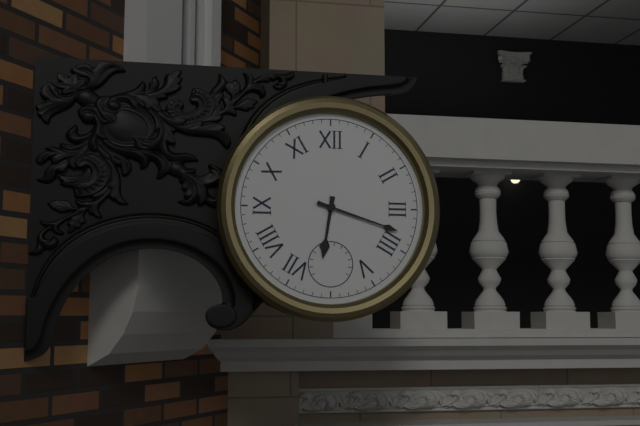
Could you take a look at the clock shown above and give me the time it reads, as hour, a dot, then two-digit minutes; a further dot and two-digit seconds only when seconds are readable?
6.18
